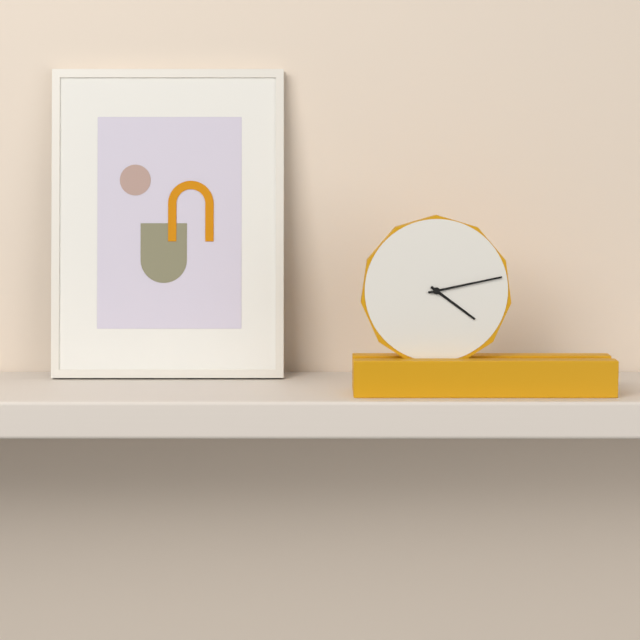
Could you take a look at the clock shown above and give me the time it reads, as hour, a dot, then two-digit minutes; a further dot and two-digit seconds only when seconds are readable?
4.13
